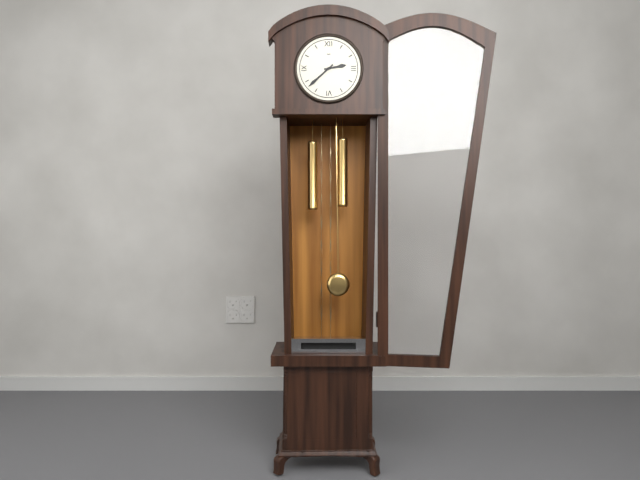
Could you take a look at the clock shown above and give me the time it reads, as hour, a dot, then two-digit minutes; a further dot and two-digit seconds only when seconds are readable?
2.38
